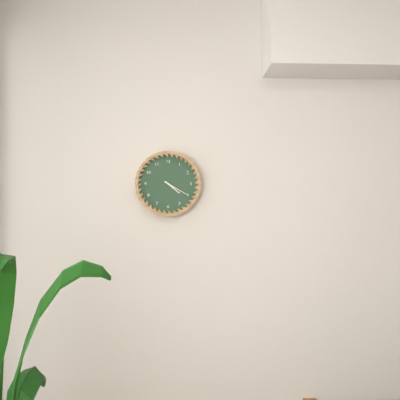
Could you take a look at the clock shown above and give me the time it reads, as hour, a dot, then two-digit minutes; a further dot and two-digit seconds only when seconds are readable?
4.20
